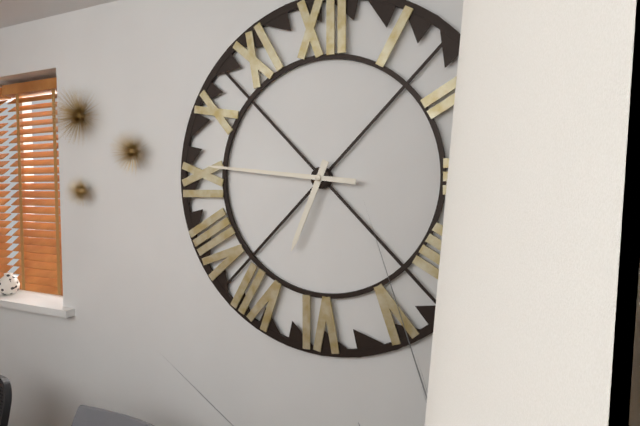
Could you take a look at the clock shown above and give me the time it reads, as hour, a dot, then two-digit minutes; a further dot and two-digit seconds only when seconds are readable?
6.46
